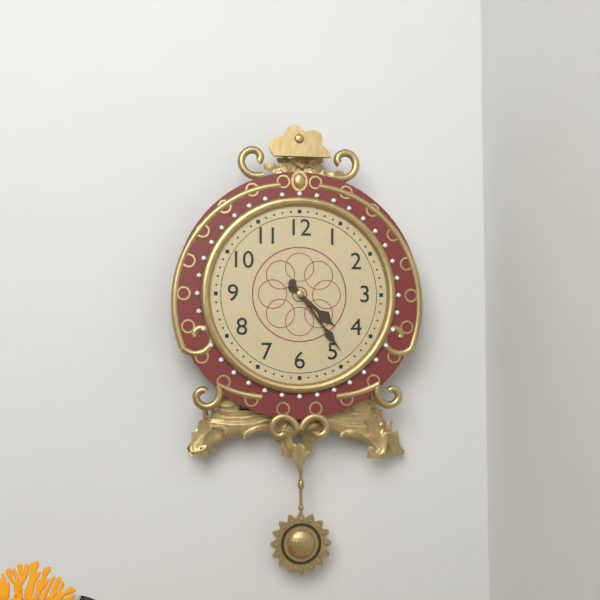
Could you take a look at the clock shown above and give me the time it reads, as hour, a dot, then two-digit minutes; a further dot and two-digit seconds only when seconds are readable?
4.24
